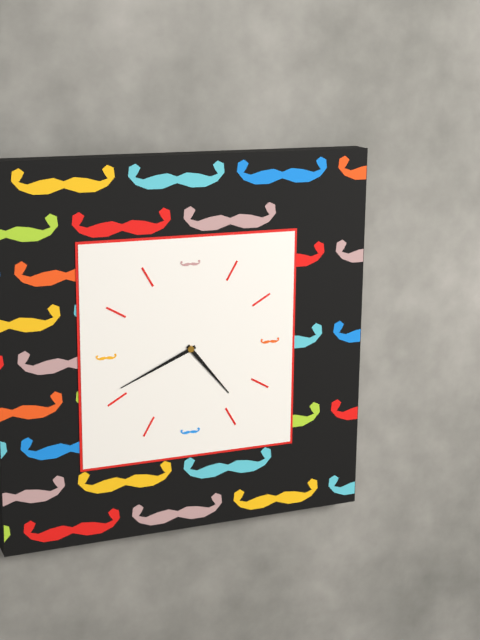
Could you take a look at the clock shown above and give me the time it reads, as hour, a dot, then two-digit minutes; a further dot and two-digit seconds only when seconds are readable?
4.41
